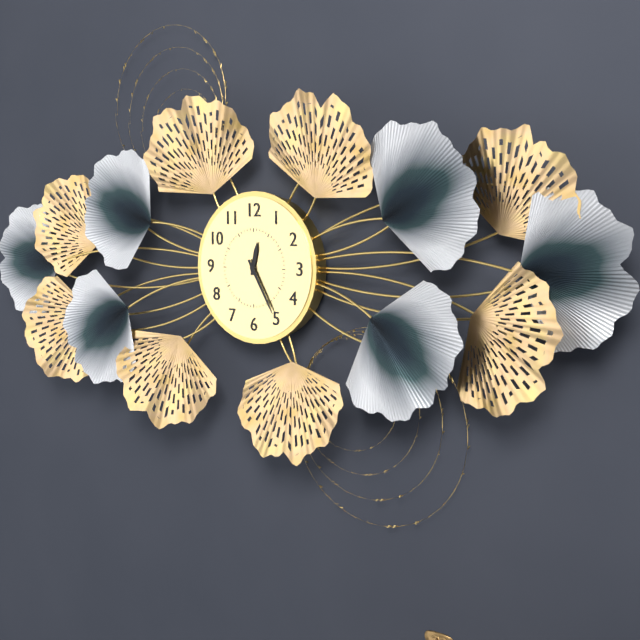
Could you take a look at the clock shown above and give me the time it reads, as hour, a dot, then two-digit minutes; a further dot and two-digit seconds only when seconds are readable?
12.25
